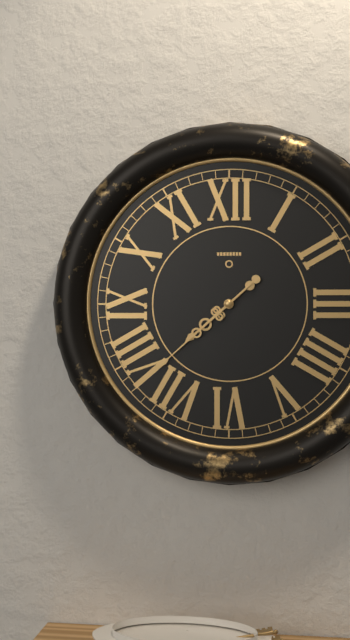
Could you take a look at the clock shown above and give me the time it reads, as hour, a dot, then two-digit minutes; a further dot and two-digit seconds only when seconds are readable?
7.38
